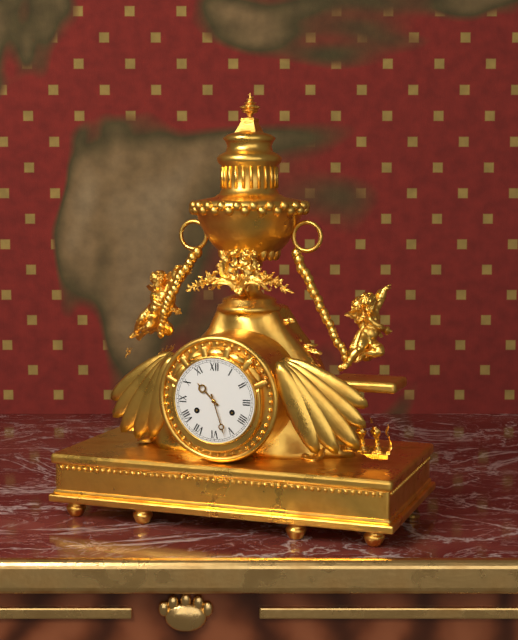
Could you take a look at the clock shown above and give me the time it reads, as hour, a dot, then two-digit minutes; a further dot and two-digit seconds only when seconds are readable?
10.27
